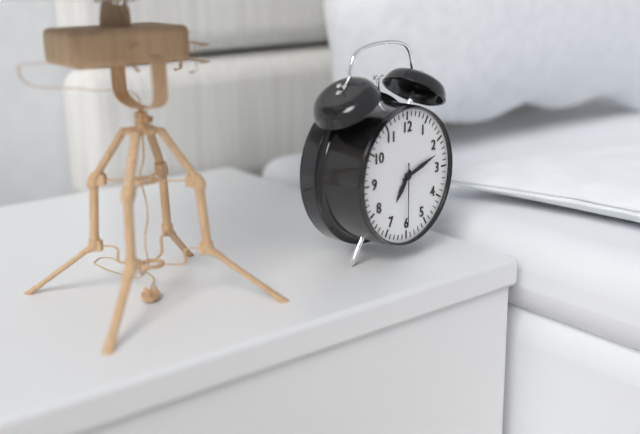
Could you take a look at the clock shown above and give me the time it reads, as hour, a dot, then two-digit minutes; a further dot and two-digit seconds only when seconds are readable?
7.12.30
